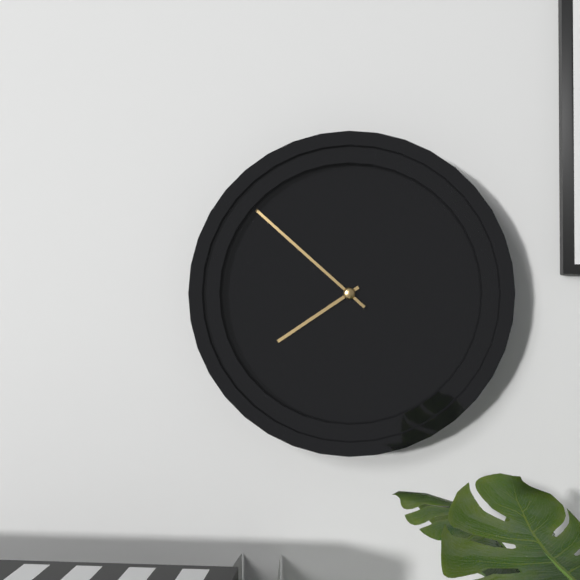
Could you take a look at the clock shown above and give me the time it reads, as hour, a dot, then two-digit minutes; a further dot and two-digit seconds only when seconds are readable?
7.52
